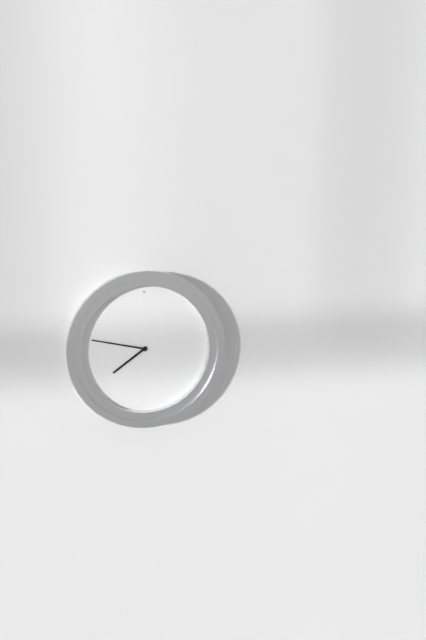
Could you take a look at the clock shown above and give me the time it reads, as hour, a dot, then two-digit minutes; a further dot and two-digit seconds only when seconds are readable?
7.47
